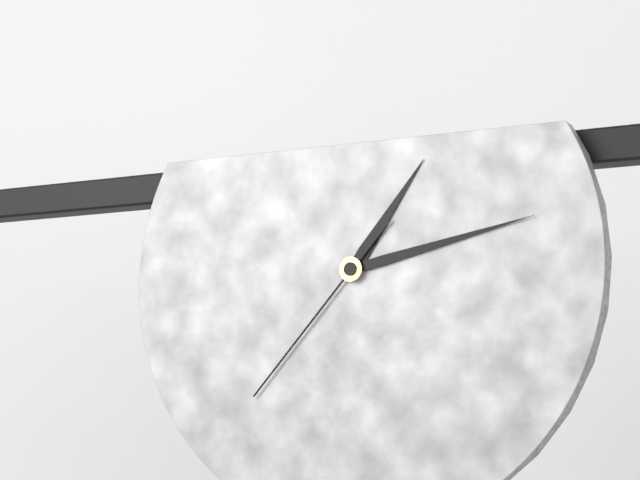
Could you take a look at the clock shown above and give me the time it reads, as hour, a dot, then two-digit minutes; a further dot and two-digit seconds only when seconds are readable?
1.13.37
